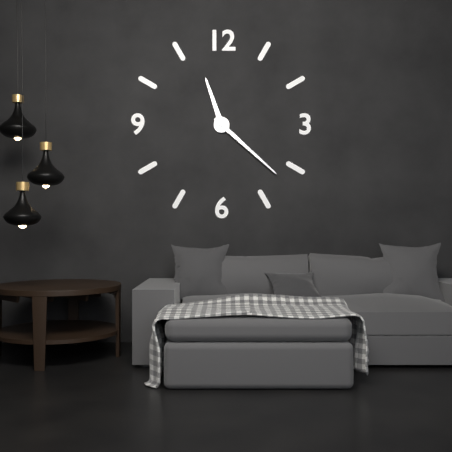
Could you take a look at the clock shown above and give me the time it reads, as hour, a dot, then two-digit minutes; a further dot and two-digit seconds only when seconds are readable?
11.22
